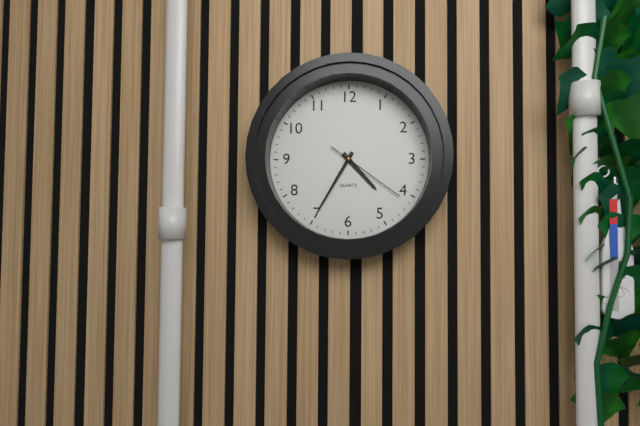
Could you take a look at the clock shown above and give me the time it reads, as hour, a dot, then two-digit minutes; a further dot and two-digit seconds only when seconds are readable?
4.35.21
